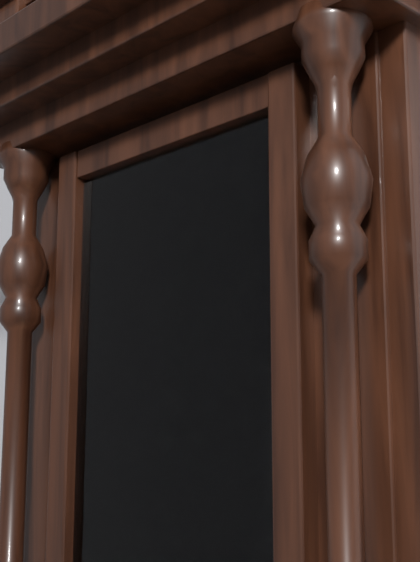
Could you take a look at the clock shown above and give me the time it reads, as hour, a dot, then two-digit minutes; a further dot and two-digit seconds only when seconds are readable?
7.19
